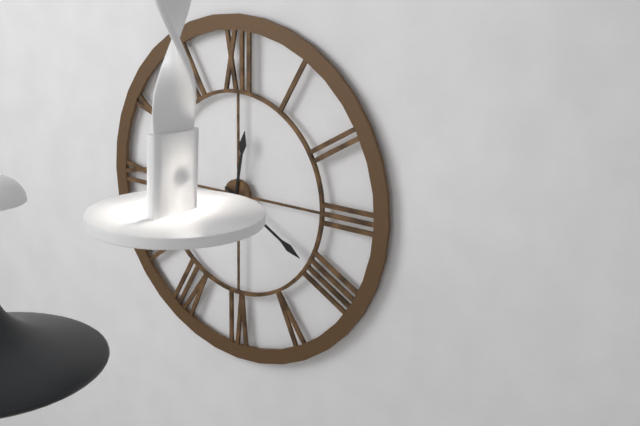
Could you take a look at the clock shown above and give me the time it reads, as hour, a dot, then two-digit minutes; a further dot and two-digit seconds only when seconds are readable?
12.20
